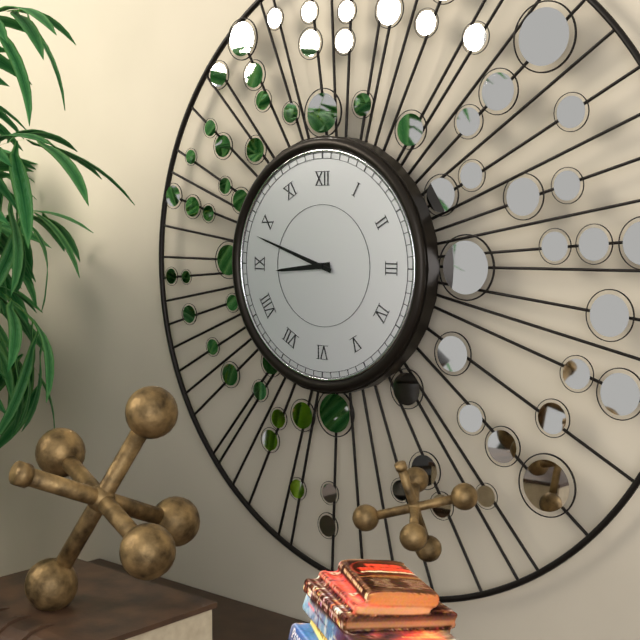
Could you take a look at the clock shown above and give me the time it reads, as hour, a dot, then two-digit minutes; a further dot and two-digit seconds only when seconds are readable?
8.48
